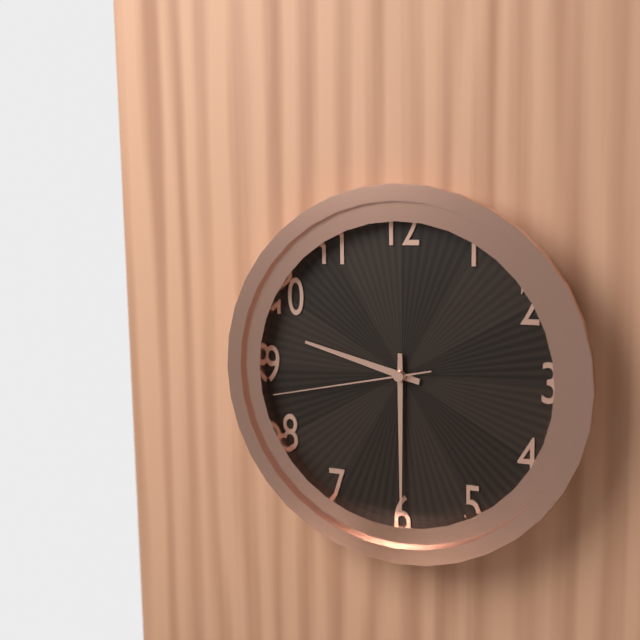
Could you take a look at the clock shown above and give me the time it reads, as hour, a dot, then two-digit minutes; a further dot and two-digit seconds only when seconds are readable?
9.30.43
